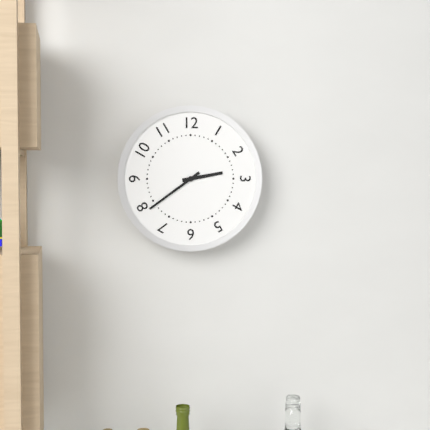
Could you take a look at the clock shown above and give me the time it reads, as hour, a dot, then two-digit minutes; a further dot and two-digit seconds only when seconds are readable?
2.39
